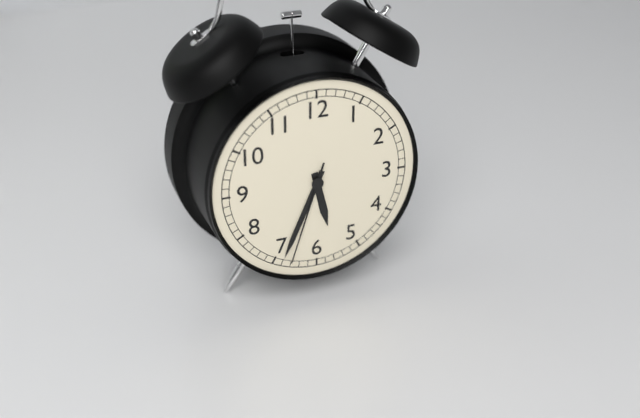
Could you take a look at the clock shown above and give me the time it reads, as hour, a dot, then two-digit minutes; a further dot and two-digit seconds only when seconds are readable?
5.34.33
